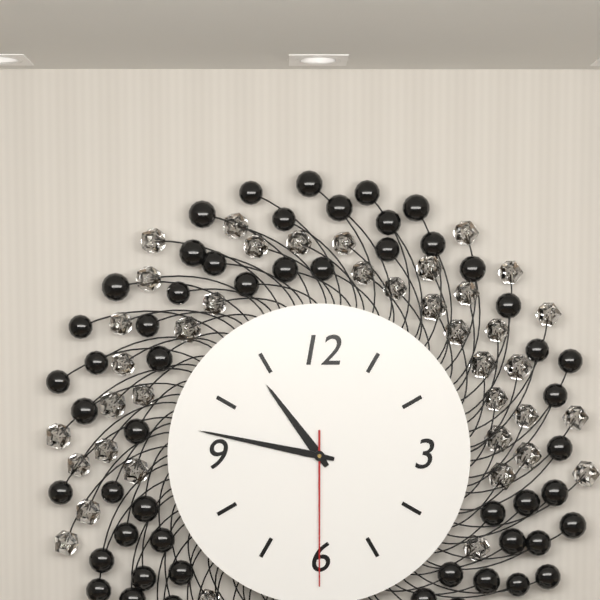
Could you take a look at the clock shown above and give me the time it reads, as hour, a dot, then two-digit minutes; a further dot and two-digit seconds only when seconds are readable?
10.47.30
